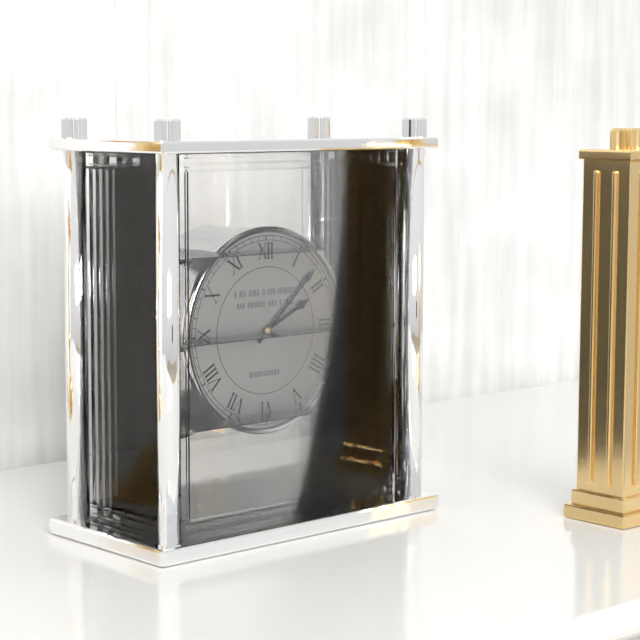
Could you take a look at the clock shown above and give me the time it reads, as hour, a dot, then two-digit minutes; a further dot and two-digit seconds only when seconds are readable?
2.08
